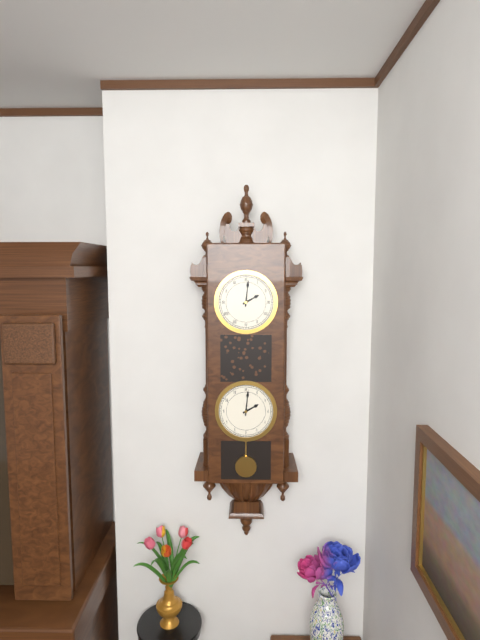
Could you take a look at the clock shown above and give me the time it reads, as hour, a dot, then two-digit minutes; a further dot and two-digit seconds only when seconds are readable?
2.01
